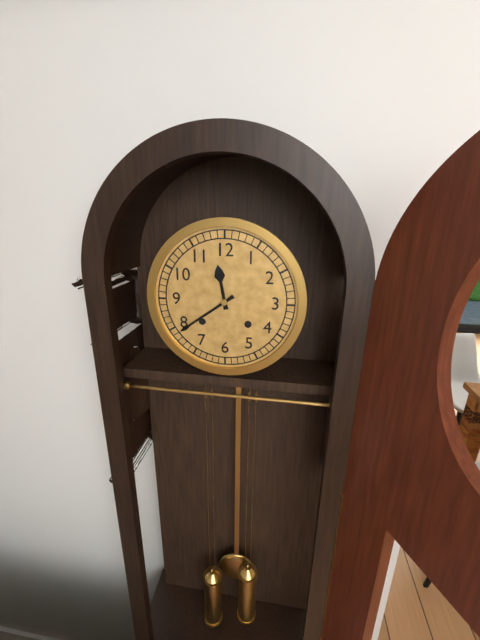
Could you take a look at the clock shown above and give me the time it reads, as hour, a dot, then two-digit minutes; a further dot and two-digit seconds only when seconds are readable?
11.39
